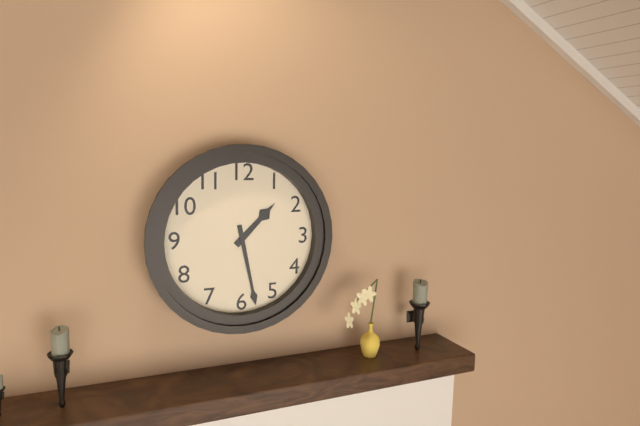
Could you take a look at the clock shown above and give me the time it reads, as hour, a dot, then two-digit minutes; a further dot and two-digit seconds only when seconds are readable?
1.28
